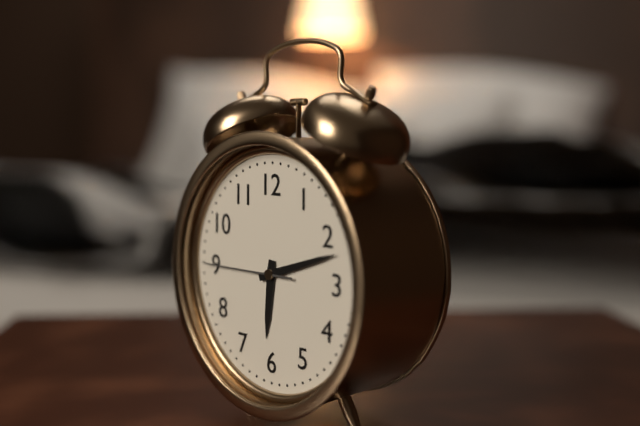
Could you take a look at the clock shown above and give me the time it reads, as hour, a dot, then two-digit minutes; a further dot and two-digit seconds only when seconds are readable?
6.12.45
